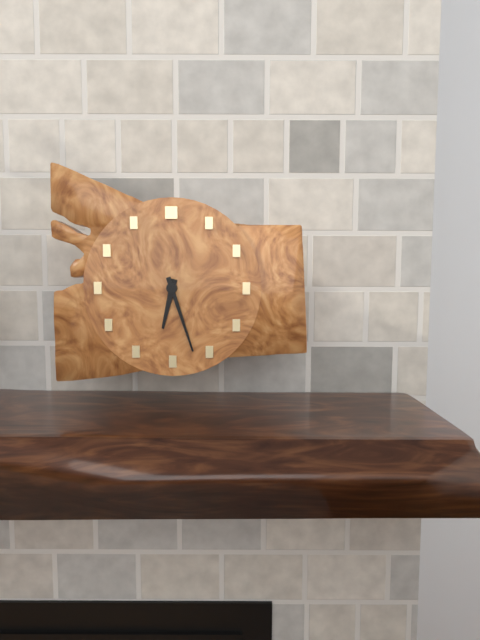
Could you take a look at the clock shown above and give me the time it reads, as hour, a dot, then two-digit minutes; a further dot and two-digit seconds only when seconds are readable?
6.27
